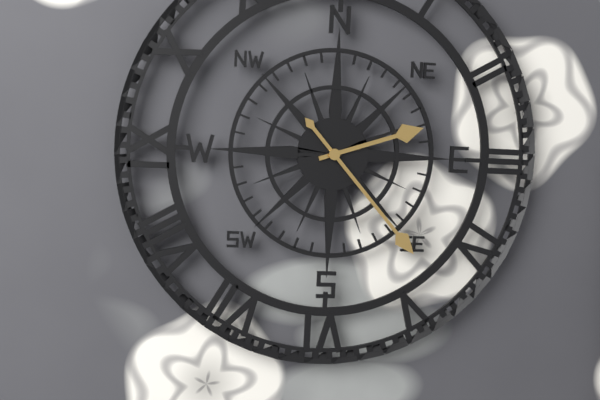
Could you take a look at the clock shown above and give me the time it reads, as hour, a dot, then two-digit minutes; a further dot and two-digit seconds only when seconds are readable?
2.23
